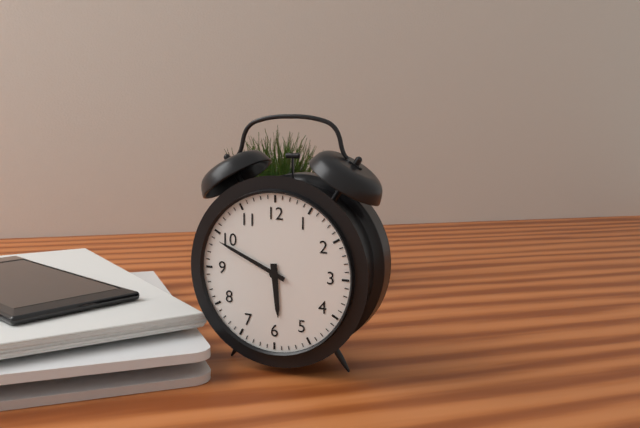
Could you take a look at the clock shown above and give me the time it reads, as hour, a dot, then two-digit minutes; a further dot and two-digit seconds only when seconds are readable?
5.49
